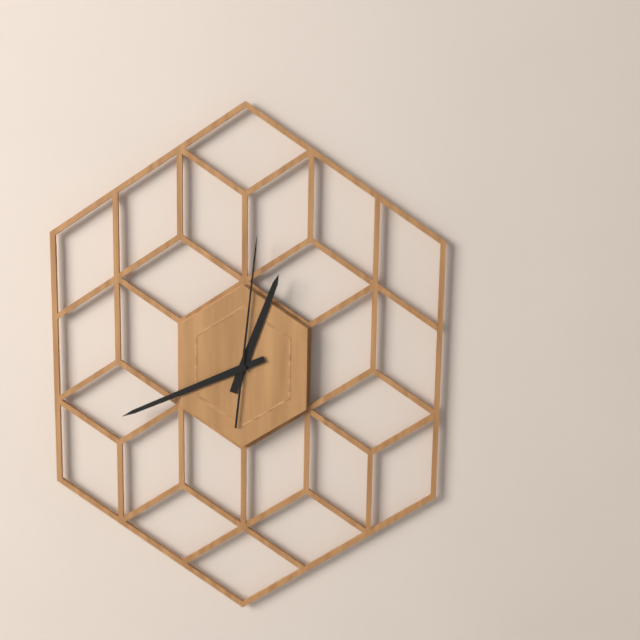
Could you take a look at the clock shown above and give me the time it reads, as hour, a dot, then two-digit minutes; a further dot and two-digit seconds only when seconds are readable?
12.41.01
